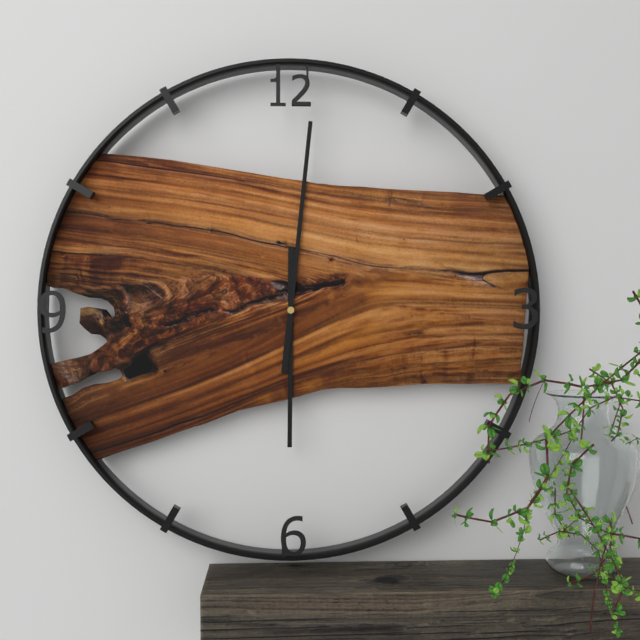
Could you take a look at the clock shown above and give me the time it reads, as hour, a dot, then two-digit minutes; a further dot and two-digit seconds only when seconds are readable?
6.01
